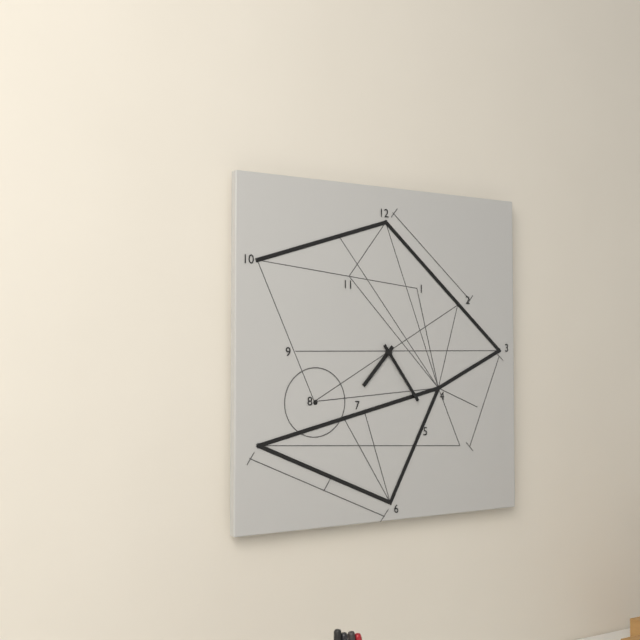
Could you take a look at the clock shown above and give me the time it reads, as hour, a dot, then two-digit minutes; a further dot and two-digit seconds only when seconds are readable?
7.24
